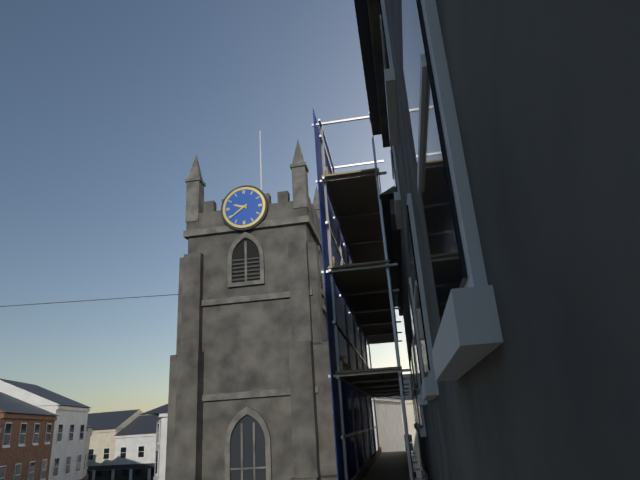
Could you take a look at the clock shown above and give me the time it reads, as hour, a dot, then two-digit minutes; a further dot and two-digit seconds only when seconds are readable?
9.39
